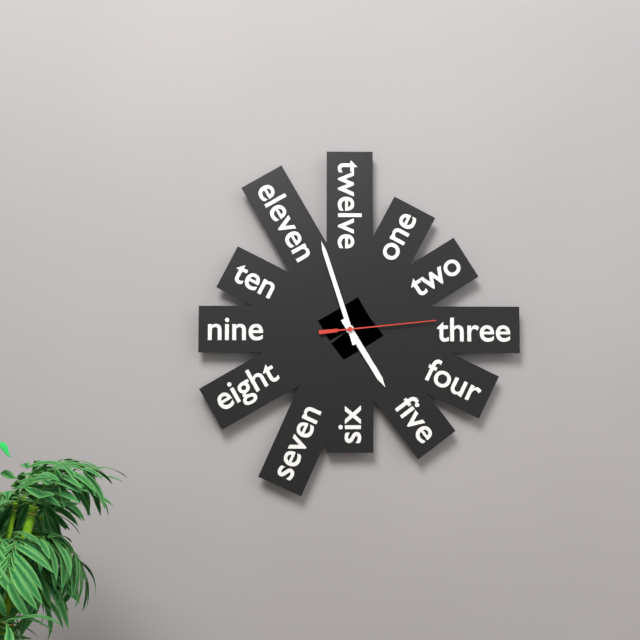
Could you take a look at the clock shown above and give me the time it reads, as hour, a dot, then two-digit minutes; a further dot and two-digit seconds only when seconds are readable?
4.57.14
